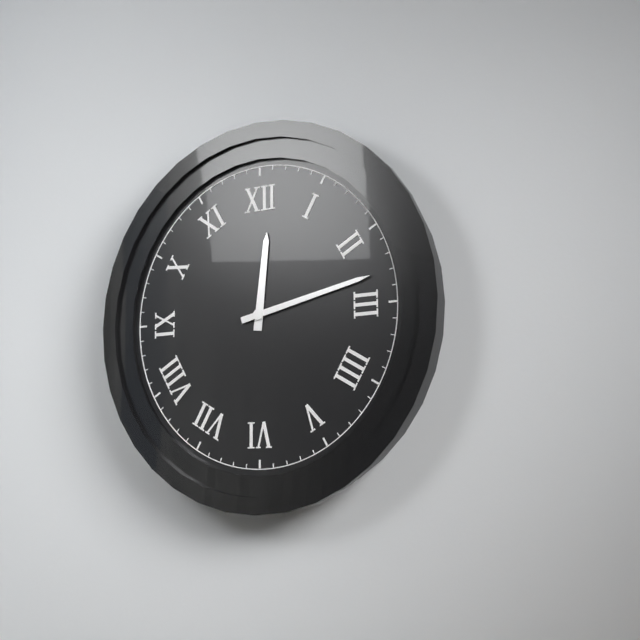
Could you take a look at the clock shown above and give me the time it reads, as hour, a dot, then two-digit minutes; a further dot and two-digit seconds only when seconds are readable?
12.13
